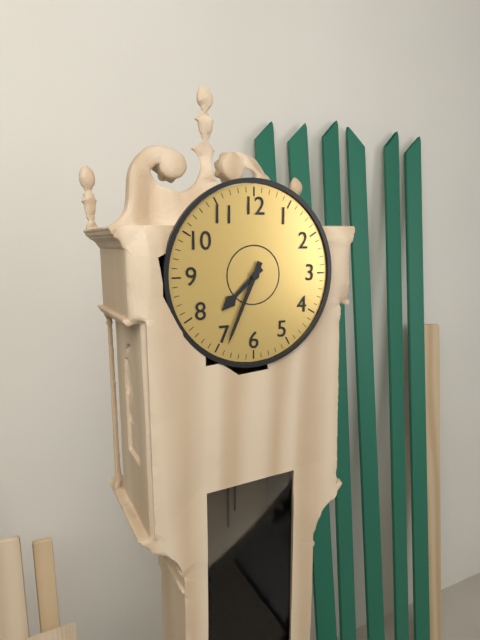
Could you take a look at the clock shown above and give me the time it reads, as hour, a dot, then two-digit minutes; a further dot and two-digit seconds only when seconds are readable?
7.34
